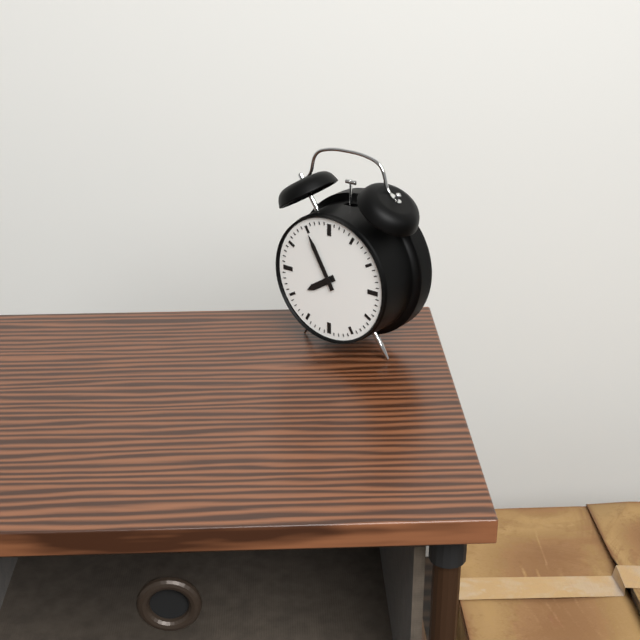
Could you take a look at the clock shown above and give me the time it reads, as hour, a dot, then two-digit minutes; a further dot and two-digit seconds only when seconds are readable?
7.55
